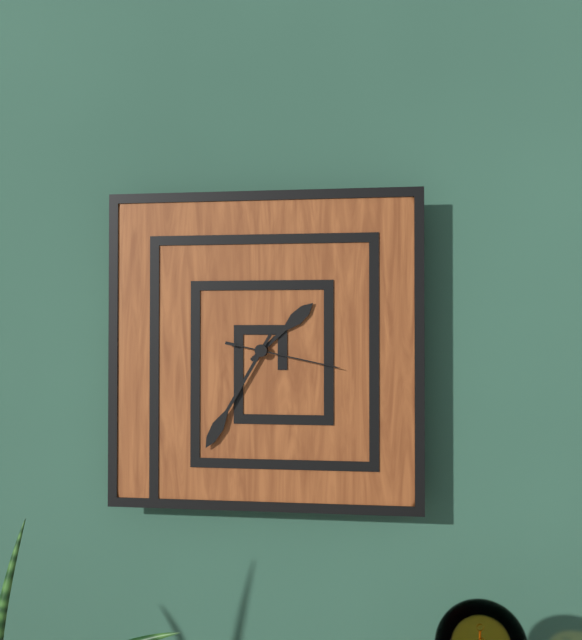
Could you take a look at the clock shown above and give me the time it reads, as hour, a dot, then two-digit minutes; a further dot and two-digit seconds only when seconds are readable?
1.35.17
